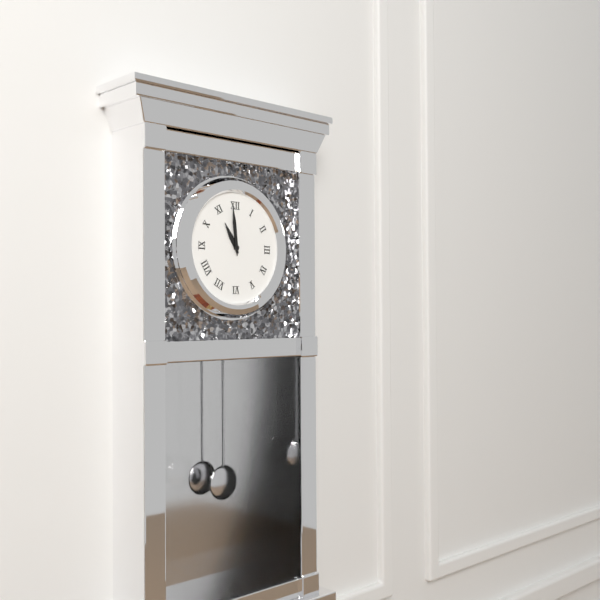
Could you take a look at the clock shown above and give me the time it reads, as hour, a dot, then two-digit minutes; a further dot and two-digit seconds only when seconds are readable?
10.59
